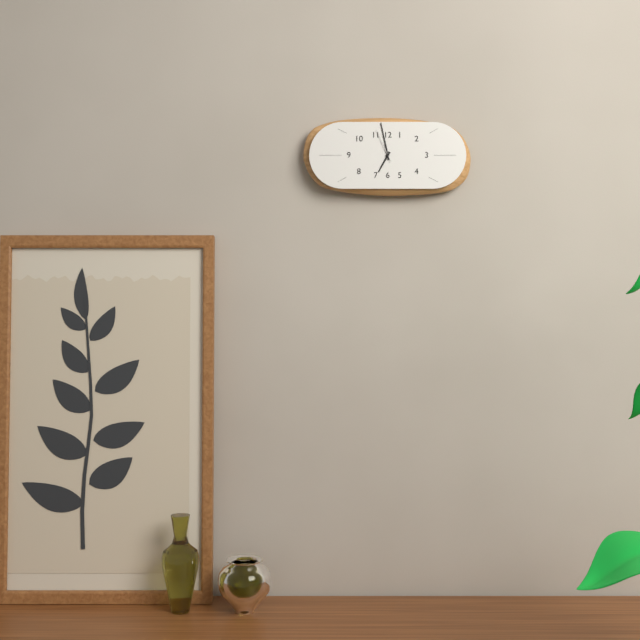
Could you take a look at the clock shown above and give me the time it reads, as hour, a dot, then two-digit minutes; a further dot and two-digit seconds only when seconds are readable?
6.58
